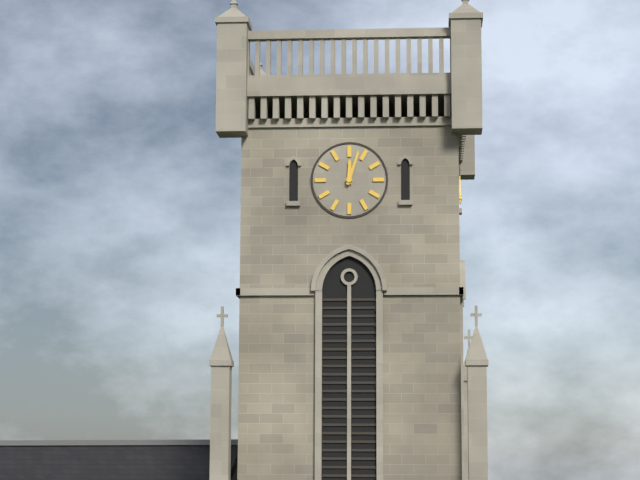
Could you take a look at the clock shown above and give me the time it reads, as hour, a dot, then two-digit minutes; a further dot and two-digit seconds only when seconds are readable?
12.03
